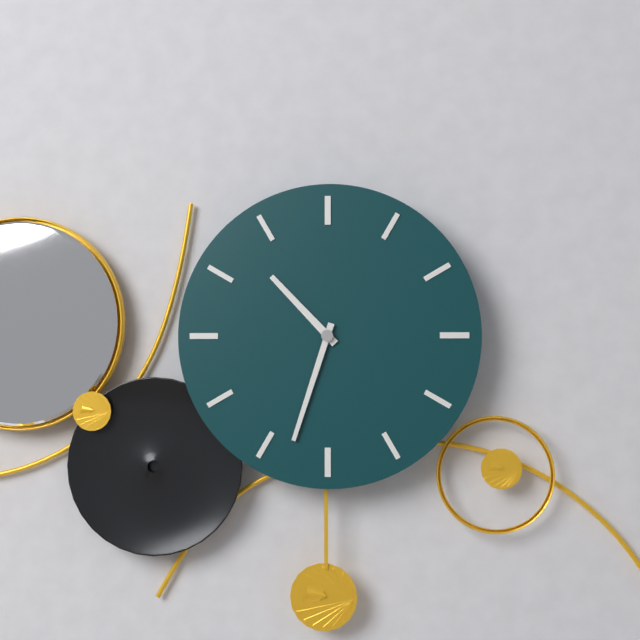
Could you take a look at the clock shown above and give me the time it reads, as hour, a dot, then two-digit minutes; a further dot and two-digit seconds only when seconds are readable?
10.33
